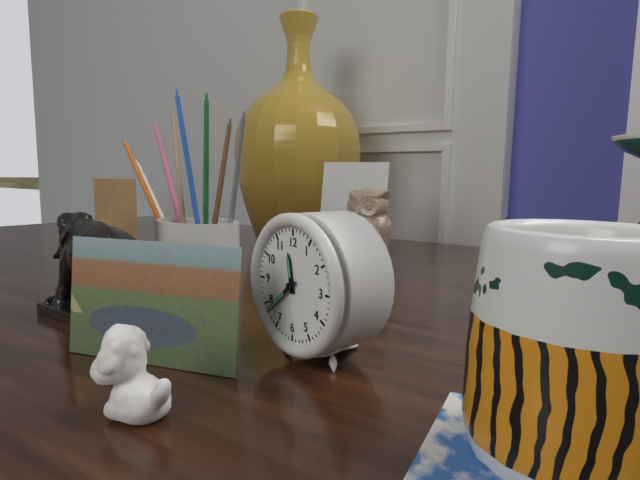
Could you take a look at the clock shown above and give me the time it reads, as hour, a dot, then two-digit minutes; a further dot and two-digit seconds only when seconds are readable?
11.38
